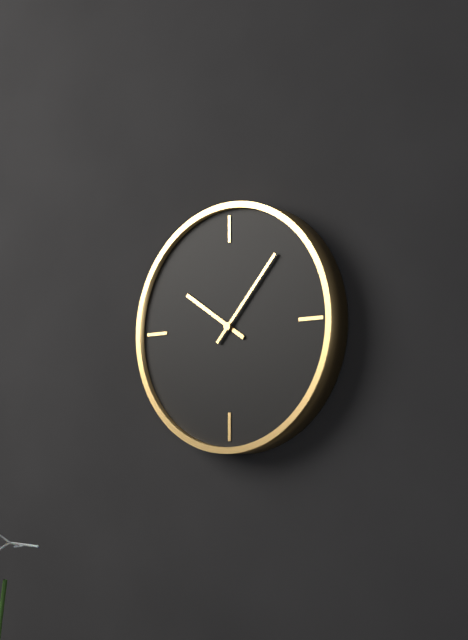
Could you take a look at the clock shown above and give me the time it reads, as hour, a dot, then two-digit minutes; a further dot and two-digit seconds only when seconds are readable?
10.07
